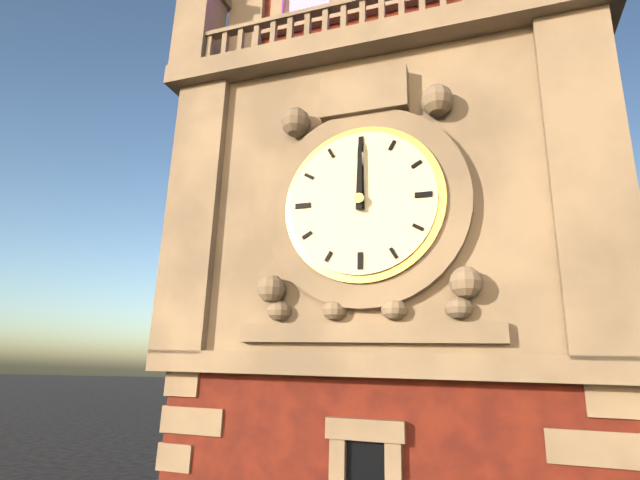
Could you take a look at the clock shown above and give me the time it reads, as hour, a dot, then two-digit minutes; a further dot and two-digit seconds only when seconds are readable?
12.00
